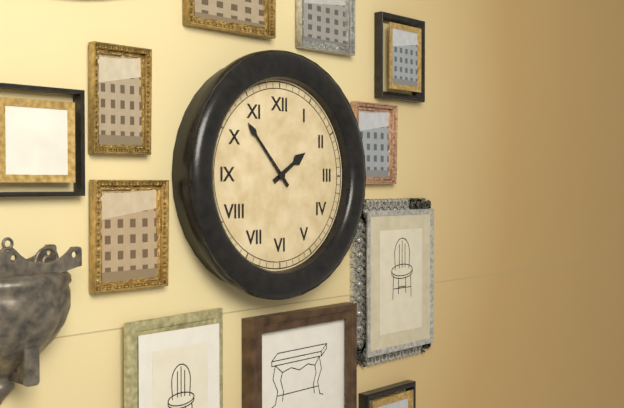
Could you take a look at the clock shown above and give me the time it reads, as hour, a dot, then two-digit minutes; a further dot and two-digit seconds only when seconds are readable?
1.53
